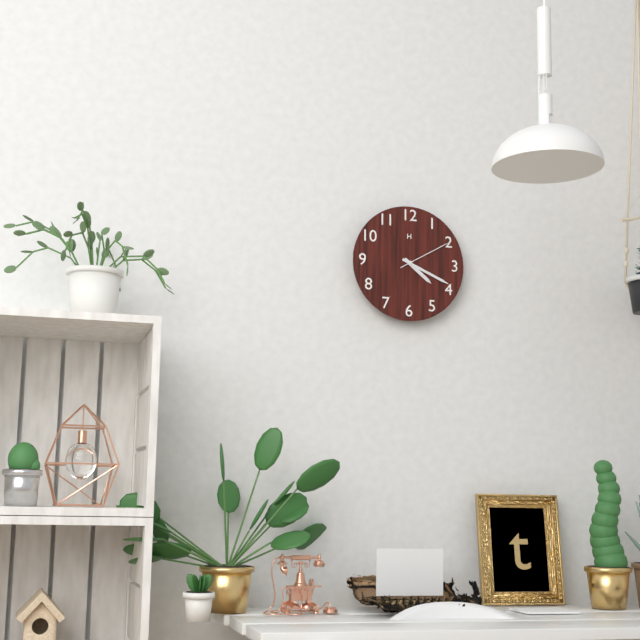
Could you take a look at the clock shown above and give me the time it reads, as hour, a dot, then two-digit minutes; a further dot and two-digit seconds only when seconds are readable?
4.19.10
